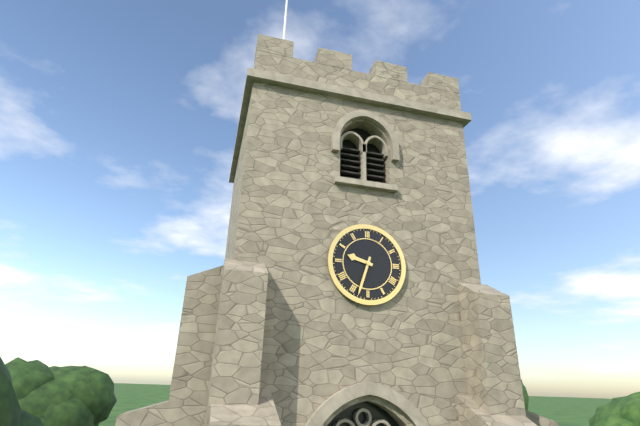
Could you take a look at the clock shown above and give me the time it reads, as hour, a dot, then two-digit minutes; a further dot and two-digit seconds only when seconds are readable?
9.33
